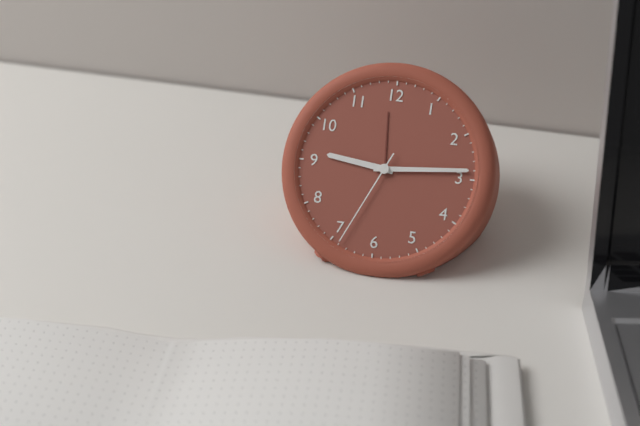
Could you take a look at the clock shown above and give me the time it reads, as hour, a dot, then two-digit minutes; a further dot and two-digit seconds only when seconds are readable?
9.14.34
